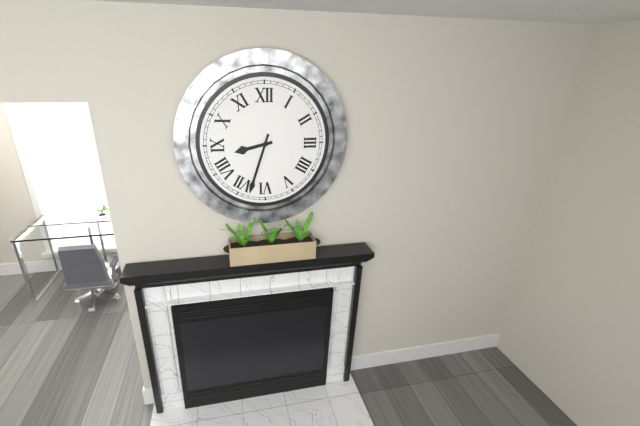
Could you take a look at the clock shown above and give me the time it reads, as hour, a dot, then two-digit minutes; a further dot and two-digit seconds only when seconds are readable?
8.33
